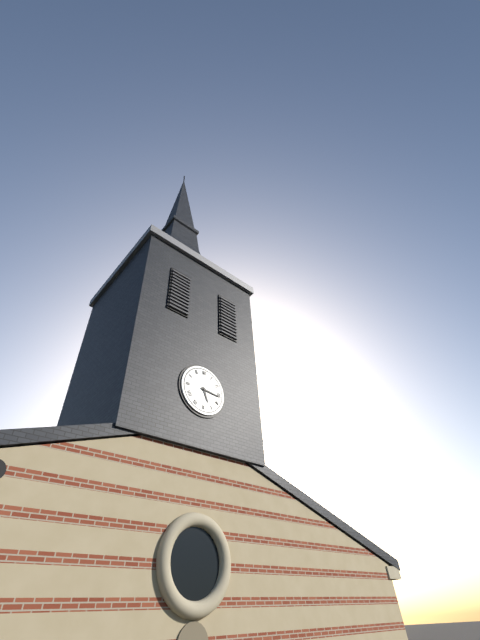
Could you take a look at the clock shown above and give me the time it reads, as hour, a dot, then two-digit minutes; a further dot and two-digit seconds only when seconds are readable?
5.16
